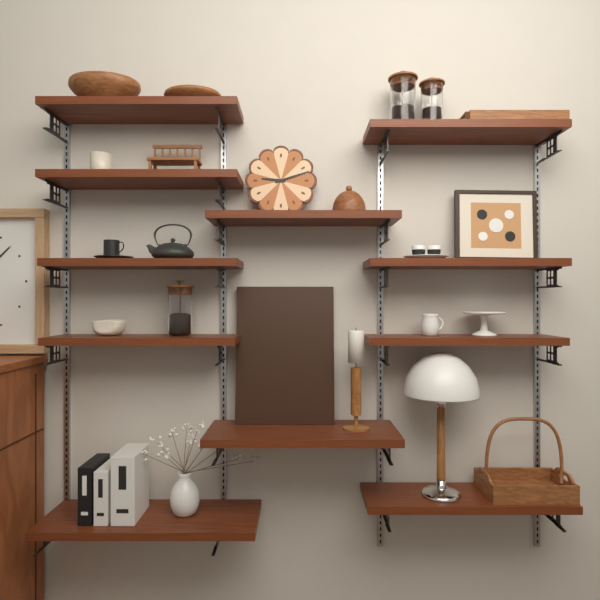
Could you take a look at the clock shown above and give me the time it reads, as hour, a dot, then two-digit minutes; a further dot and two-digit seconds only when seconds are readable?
9.12
